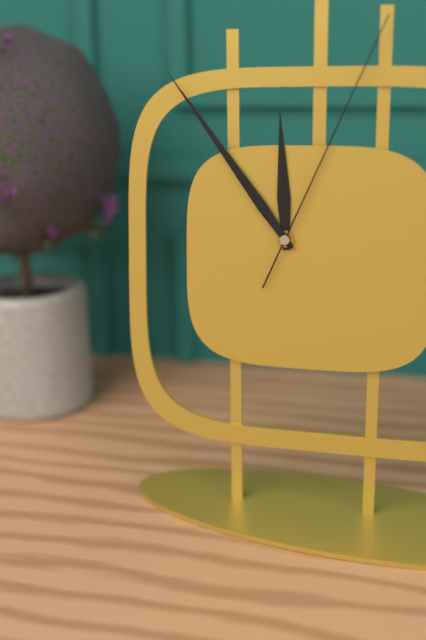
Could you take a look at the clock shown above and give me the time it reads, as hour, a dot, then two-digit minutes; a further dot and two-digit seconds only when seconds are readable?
11.54.04
